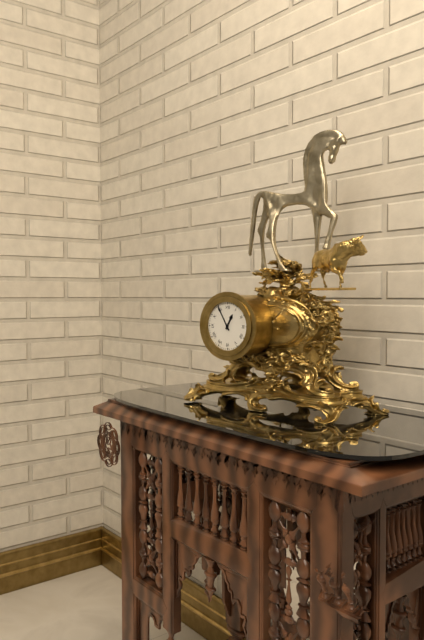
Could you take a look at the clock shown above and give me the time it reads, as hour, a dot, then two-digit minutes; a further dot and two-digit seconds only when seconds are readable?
12.55
